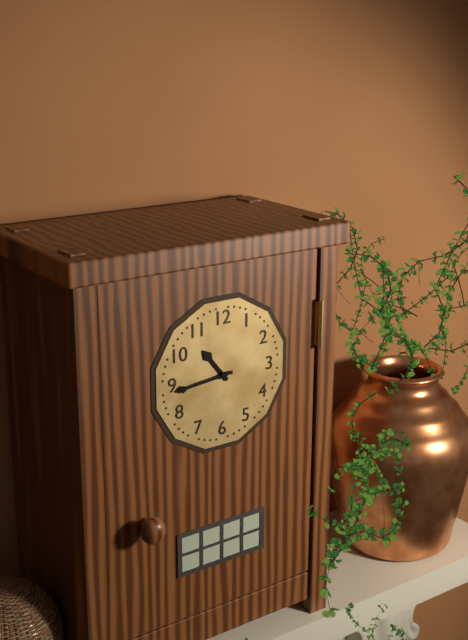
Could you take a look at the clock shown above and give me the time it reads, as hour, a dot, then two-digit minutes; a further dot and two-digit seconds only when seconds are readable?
10.44
